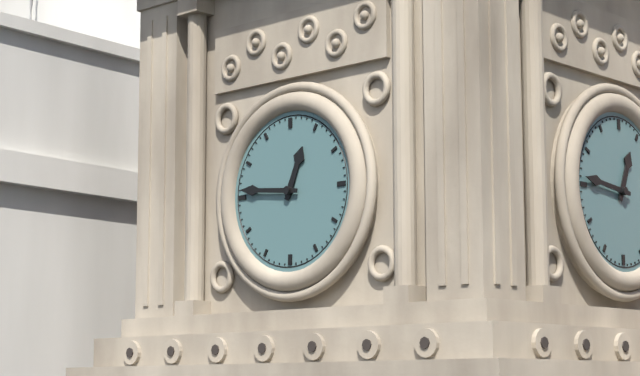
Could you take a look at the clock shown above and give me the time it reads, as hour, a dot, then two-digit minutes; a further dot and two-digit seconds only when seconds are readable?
12.46
